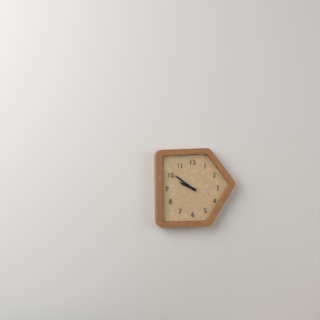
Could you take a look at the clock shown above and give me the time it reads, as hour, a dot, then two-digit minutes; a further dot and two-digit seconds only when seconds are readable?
9.51
